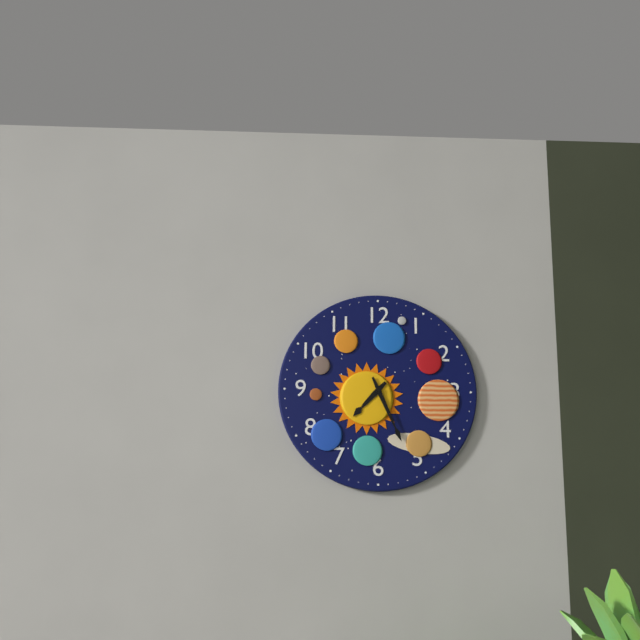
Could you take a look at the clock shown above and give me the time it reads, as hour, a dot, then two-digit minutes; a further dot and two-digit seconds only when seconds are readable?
7.26
